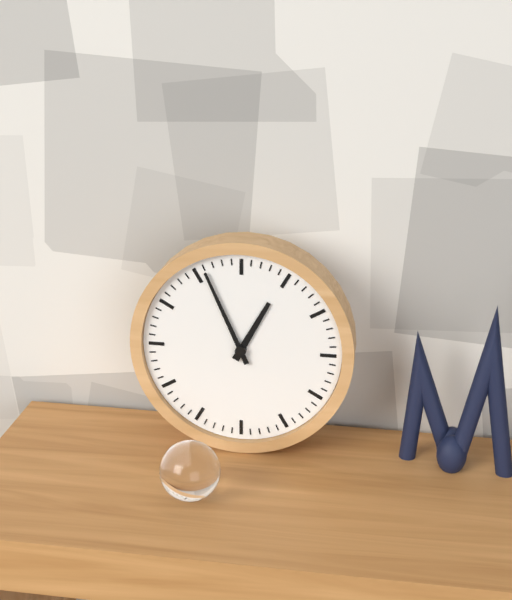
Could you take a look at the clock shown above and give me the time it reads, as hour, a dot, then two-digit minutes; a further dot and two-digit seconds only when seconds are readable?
12.56
